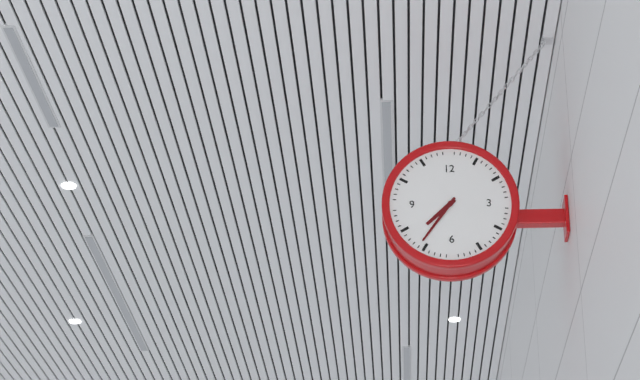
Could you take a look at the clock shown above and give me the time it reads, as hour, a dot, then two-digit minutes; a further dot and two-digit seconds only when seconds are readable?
7.36
